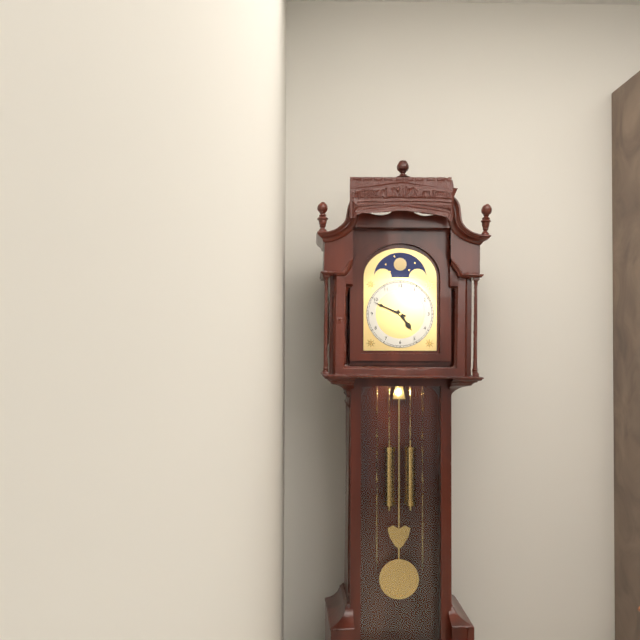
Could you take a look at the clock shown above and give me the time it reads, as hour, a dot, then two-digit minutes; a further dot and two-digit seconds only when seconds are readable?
4.49
